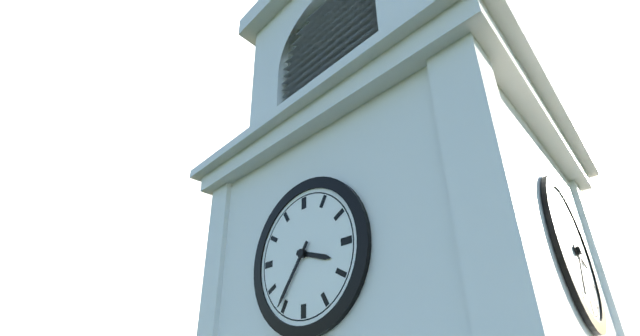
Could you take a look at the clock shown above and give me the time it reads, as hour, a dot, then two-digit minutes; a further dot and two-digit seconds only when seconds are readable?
3.36
